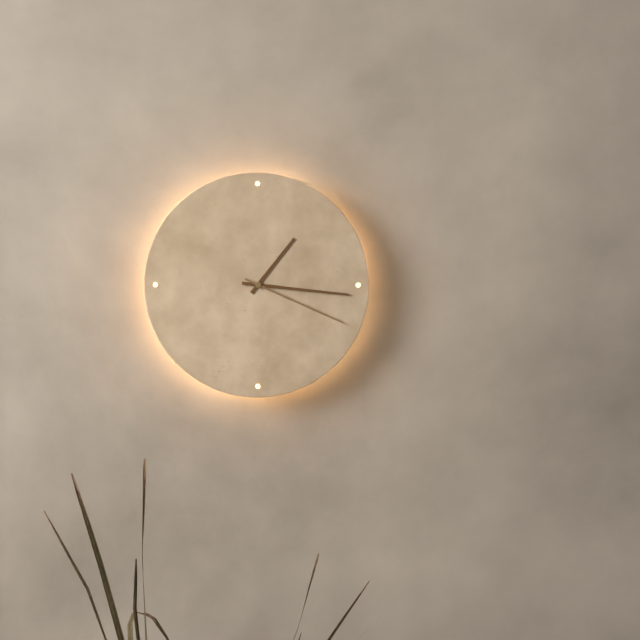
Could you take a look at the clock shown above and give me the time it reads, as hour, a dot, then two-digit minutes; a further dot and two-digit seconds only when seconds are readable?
1.16.19
